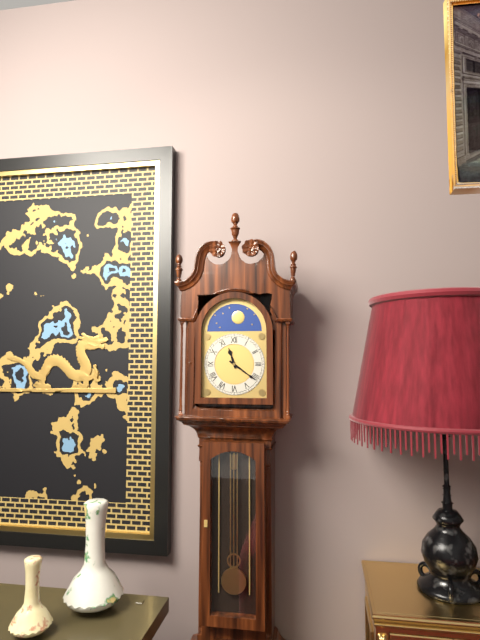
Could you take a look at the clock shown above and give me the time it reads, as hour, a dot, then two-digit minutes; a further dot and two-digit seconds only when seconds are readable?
11.21
